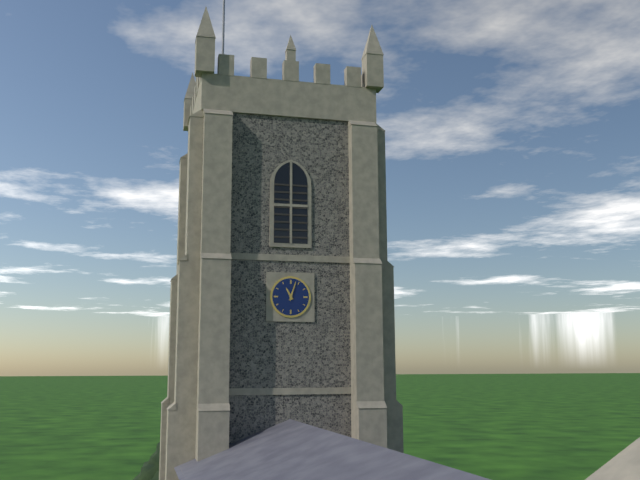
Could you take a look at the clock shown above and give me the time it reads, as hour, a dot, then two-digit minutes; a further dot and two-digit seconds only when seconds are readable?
11.03
